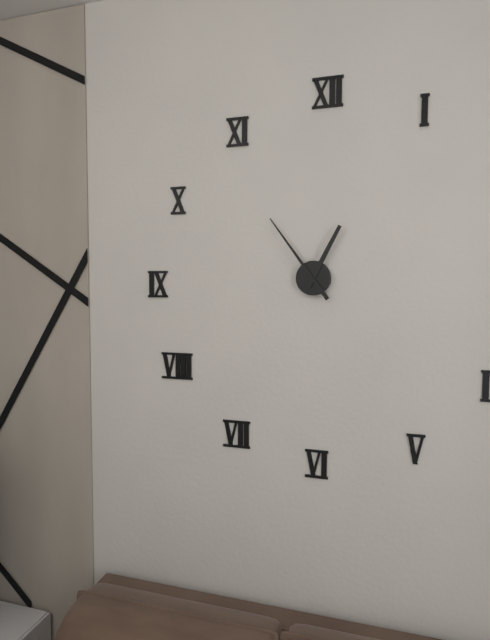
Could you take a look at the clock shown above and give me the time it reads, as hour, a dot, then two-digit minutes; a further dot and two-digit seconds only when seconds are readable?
12.54
